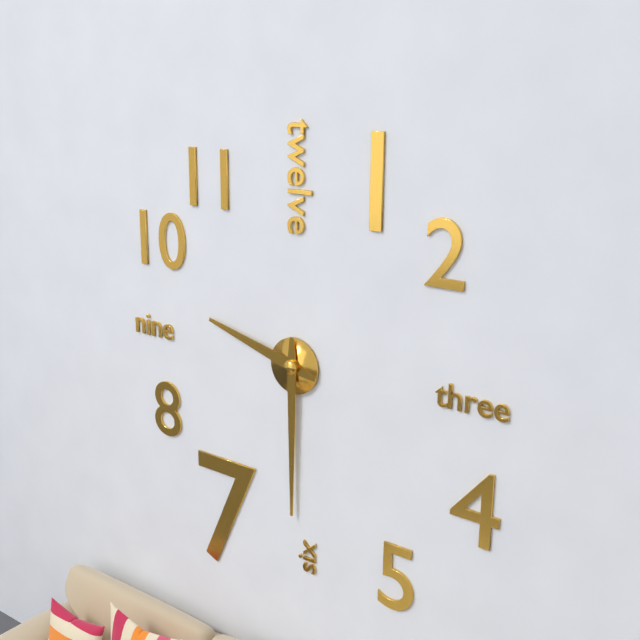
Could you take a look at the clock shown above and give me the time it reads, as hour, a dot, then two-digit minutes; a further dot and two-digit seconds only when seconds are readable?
9.30
